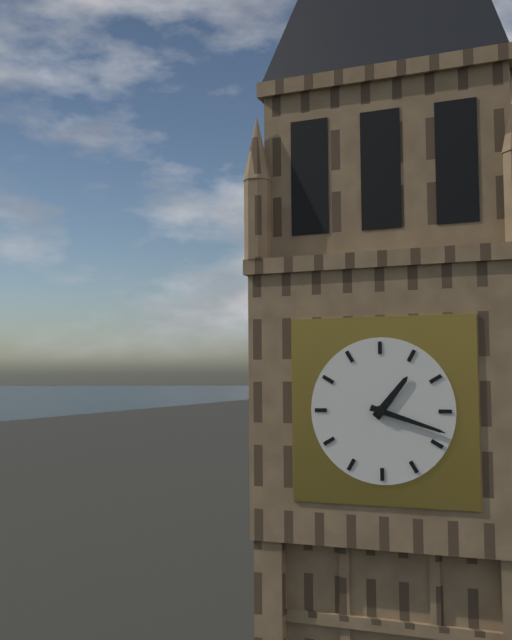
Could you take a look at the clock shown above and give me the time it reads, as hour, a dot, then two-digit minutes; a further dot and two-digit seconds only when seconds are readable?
1.18
